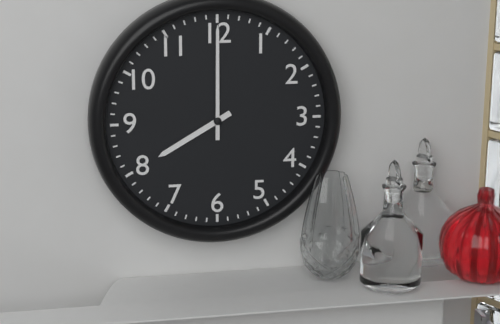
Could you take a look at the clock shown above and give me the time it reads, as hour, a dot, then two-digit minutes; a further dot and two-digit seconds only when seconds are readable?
8.00
